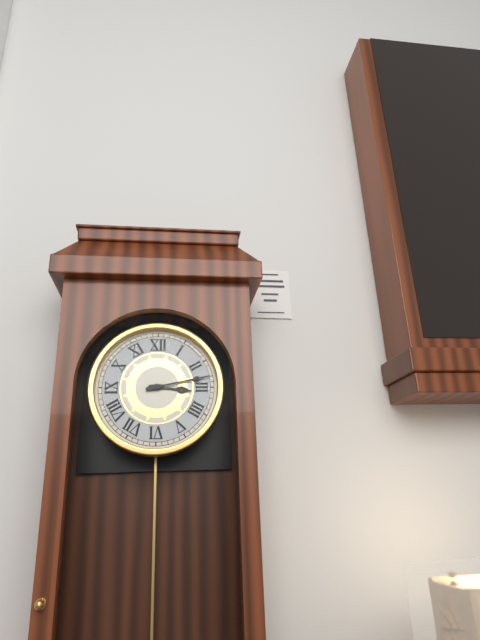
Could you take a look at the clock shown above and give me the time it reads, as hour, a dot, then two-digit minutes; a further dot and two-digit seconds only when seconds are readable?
3.13
